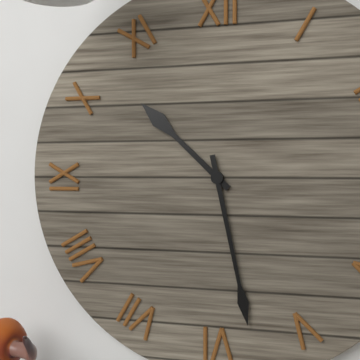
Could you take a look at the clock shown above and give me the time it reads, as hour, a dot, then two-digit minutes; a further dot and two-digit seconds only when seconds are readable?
10.28
